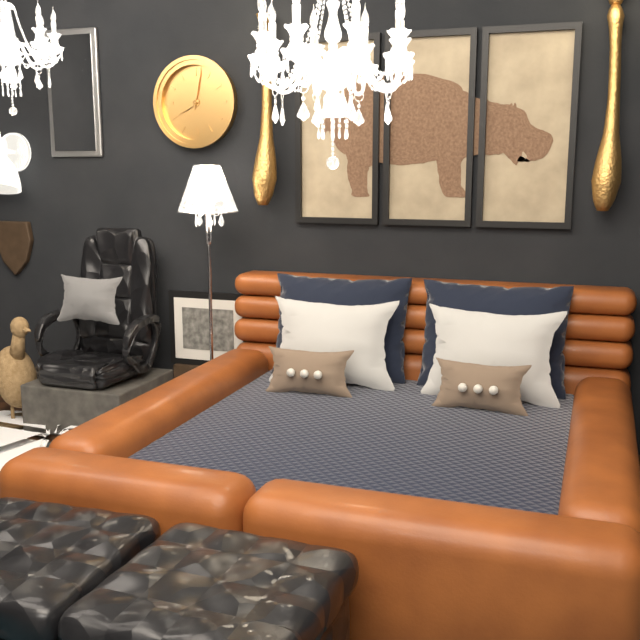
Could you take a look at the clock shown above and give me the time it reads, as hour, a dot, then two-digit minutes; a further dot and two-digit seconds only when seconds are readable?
8.02
